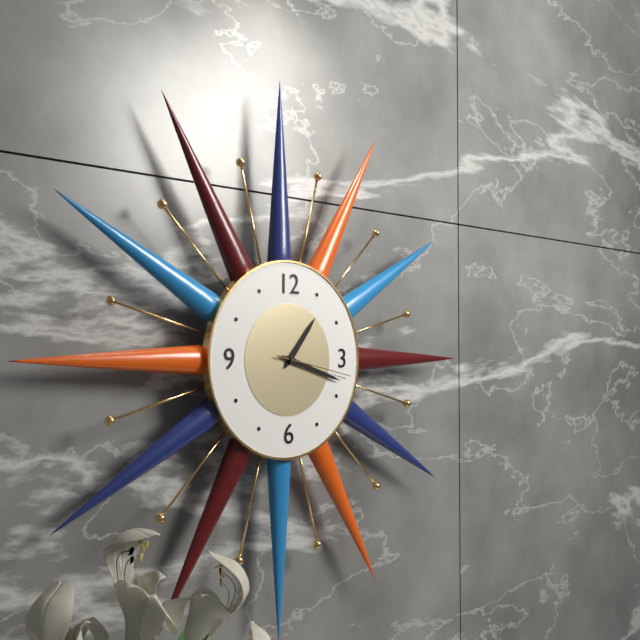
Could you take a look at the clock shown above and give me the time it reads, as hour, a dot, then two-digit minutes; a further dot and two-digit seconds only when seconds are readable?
1.18.17
